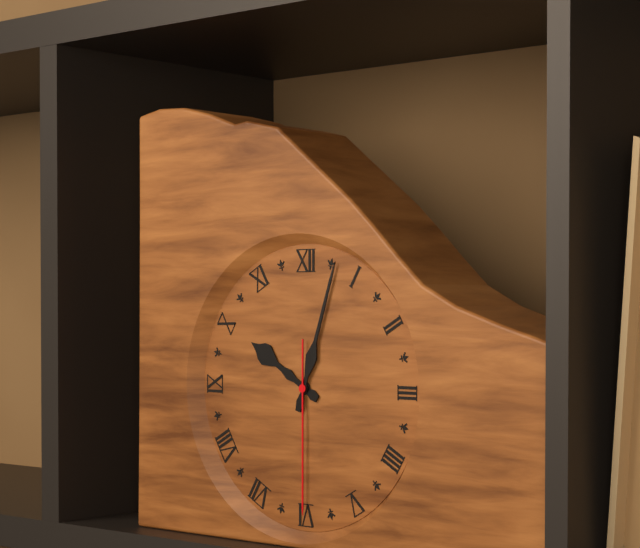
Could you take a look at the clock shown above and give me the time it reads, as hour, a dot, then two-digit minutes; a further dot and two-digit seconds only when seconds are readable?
10.03.30
